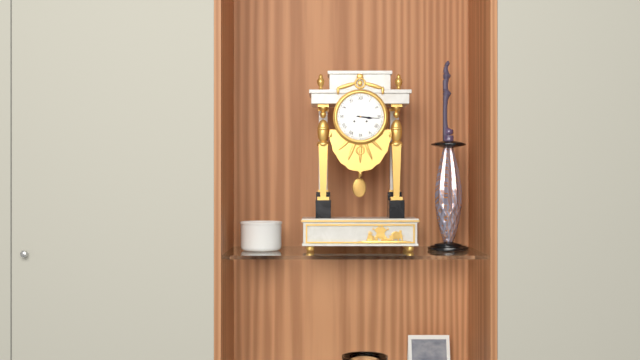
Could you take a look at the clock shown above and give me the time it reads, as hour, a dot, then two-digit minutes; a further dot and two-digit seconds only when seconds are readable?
3.16
